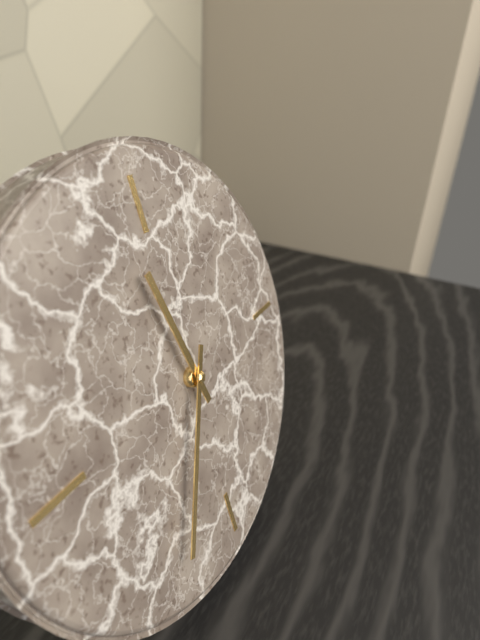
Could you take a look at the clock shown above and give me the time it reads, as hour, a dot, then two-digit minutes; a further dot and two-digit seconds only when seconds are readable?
11.35
